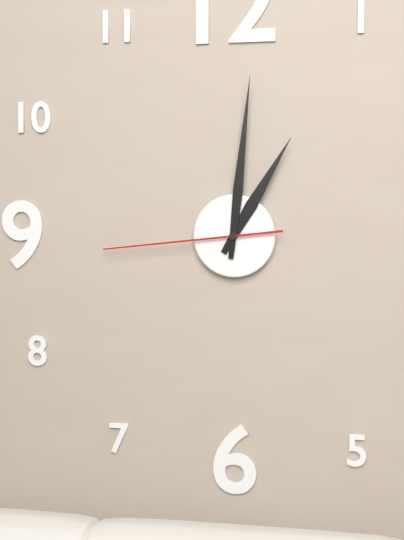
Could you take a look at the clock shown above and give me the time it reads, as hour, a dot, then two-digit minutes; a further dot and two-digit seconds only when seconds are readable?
1.01.44
